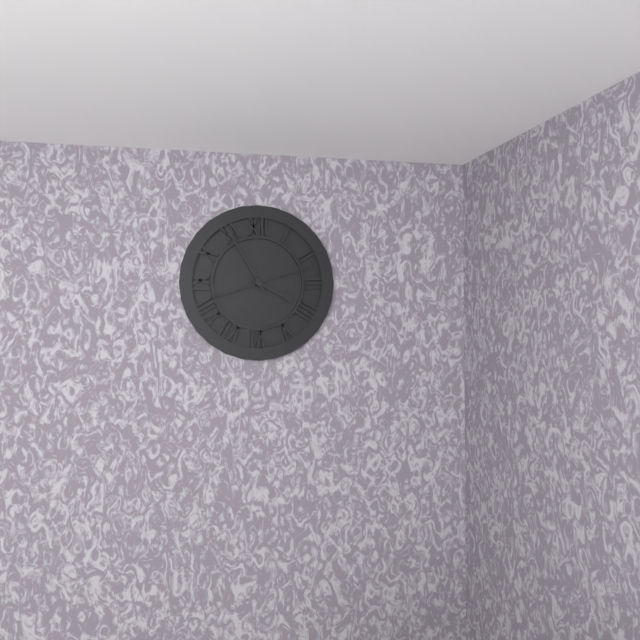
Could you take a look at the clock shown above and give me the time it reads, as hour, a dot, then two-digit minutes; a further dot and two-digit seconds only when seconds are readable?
3.55.12
